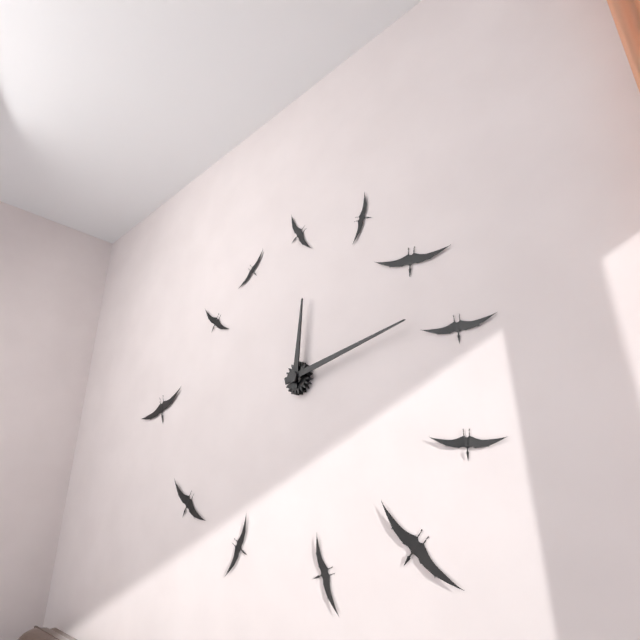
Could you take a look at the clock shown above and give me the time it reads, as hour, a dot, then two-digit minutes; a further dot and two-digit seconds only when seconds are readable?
12.13
